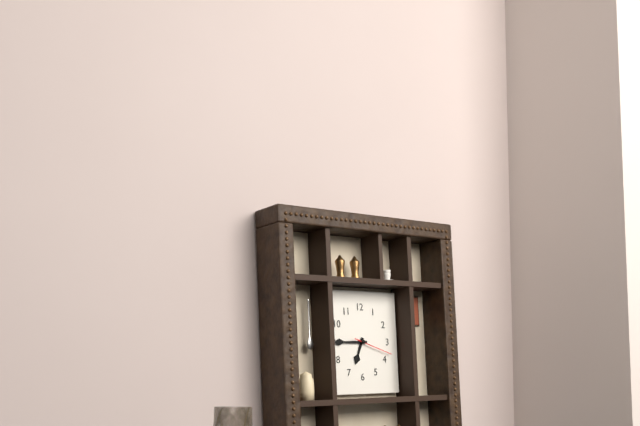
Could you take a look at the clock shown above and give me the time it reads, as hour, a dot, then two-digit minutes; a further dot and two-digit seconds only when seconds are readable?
6.45
